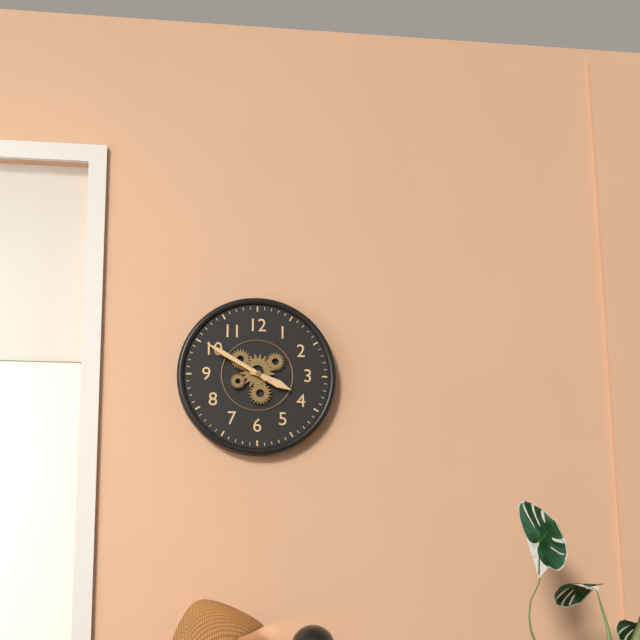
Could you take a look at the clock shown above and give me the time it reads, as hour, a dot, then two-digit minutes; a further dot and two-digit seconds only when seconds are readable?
3.50
